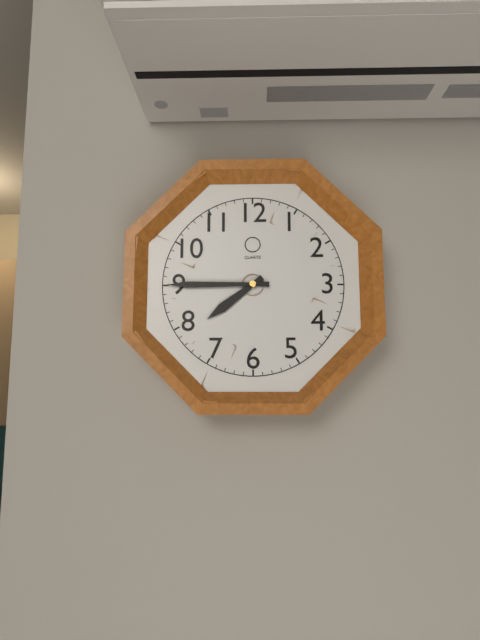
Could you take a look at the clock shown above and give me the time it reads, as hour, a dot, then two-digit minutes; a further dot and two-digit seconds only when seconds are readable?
7.45
